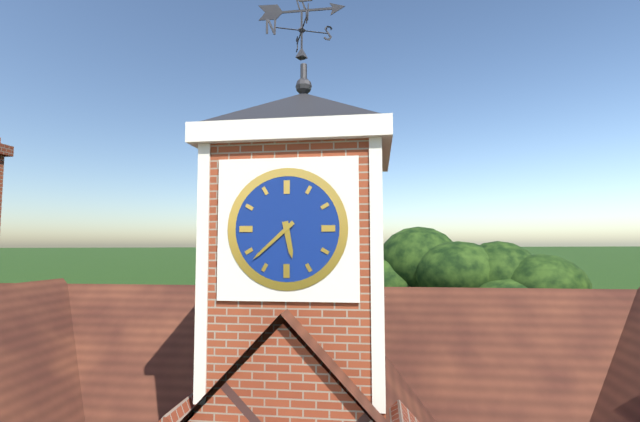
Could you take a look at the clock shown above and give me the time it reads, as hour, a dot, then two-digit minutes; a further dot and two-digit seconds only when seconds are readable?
5.38
